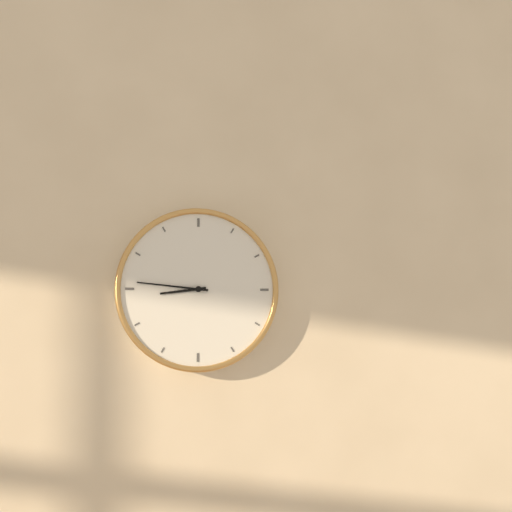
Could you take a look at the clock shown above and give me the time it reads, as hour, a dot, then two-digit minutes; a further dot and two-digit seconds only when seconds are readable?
8.46
